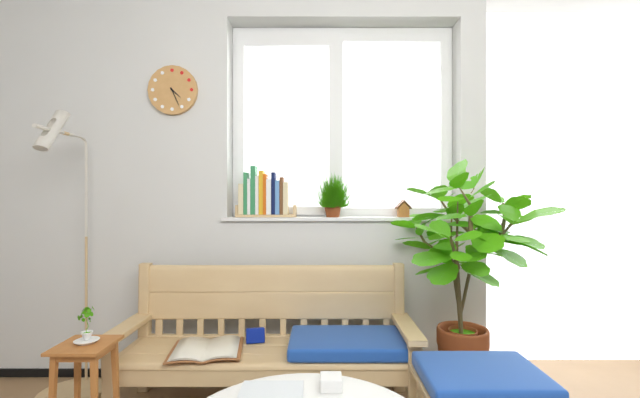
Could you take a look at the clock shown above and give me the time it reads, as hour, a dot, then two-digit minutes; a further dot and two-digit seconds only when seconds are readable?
4.26
